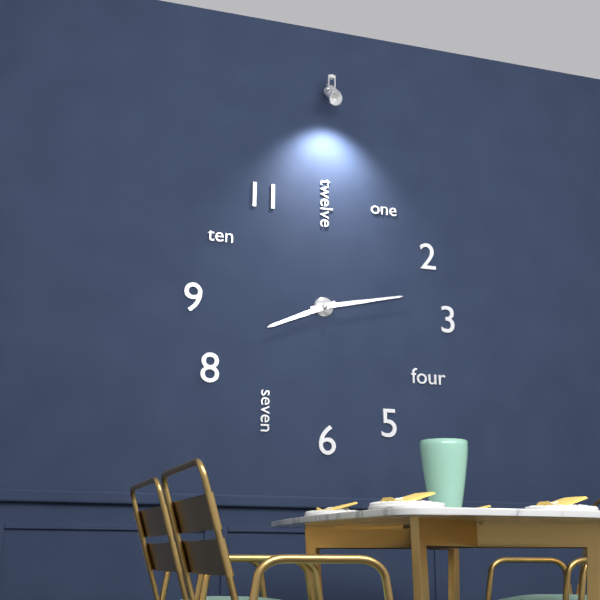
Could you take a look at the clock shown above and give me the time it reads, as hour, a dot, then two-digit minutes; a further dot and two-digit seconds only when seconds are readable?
8.13
